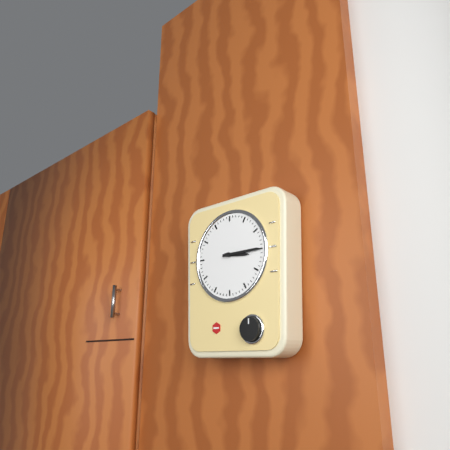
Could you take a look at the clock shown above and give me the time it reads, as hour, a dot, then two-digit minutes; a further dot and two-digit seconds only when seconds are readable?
3.15
